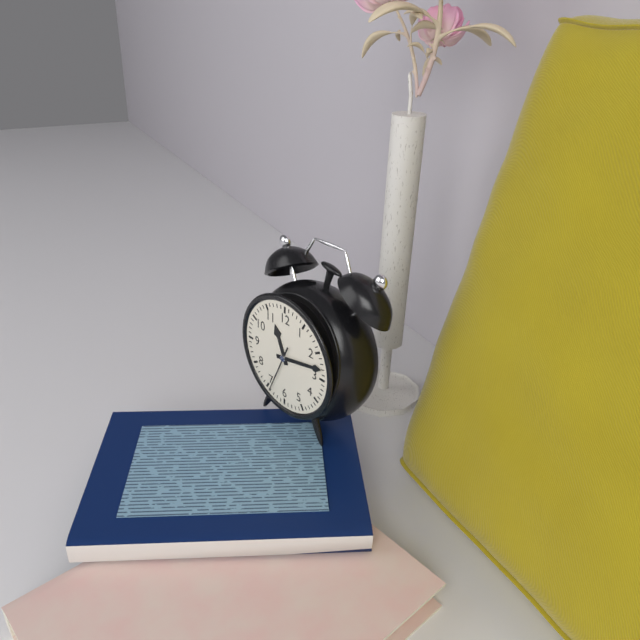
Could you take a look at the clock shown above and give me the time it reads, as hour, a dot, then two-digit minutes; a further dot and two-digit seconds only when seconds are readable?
11.13
